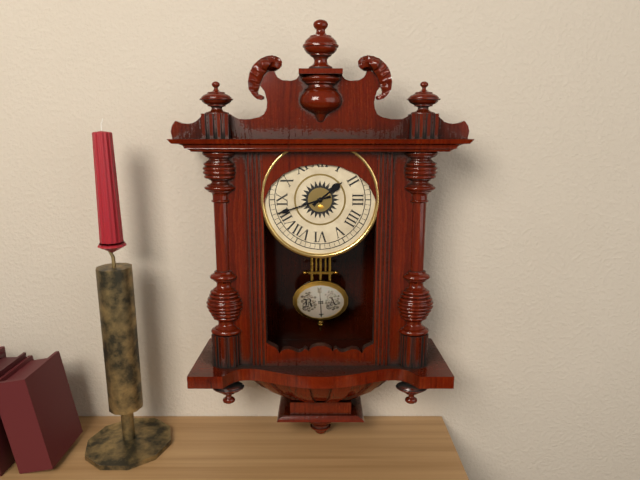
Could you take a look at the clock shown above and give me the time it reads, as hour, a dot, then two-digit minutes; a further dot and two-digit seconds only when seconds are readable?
1.42
